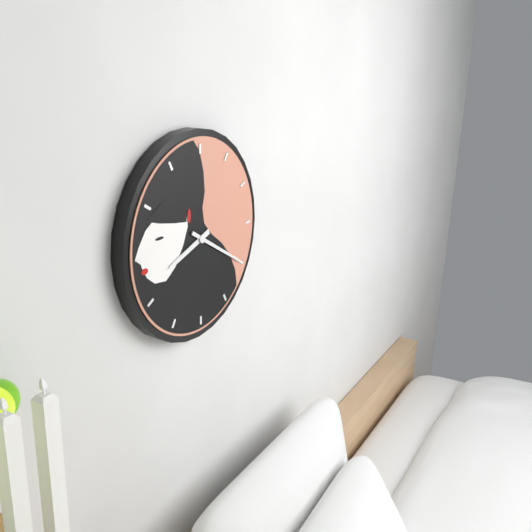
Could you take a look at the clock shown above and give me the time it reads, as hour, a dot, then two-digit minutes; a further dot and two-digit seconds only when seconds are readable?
8.20
